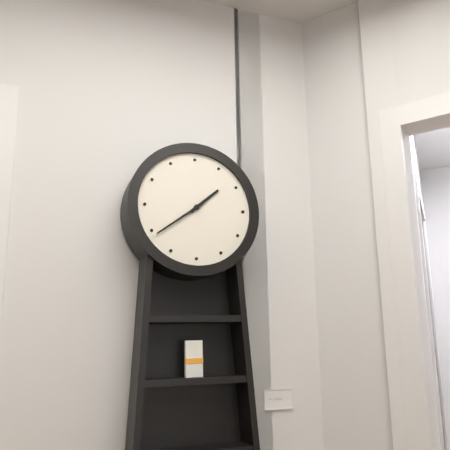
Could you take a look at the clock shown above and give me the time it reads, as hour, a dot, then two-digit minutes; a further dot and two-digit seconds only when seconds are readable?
1.39
